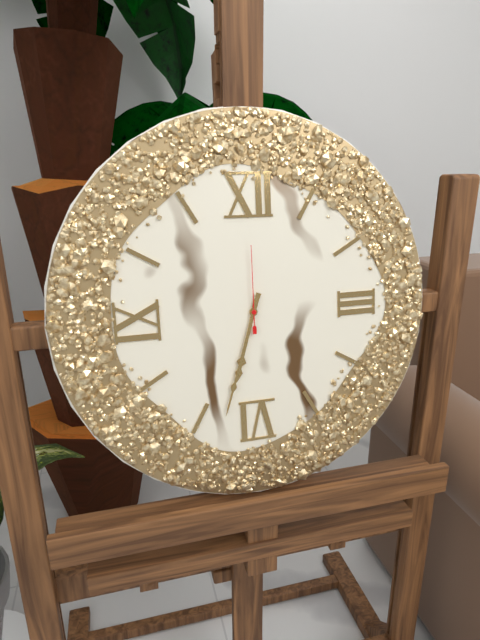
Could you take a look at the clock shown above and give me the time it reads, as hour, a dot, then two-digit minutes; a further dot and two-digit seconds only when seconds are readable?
6.33.00
